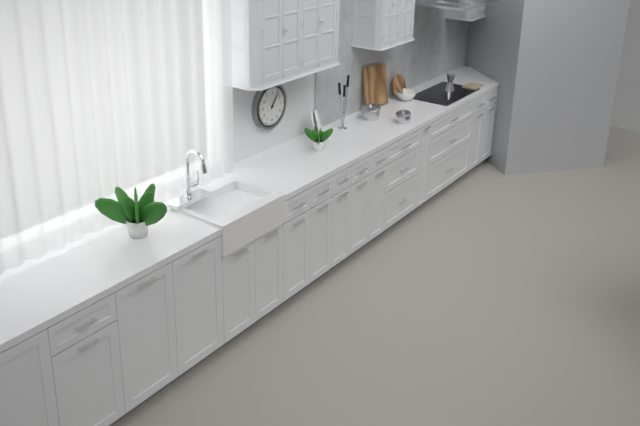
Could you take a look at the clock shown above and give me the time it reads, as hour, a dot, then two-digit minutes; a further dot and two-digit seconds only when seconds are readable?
1.06
